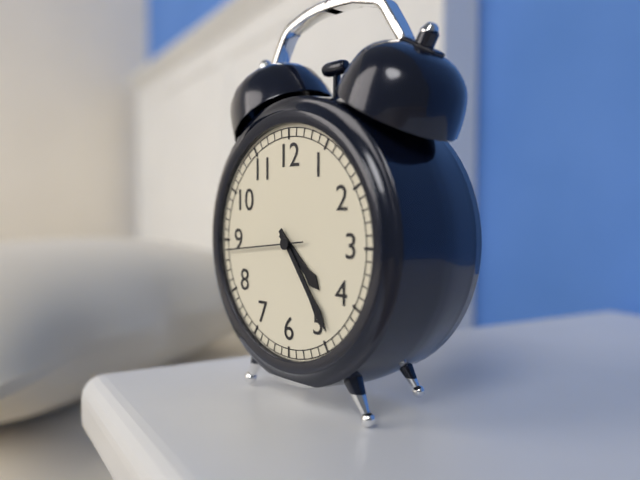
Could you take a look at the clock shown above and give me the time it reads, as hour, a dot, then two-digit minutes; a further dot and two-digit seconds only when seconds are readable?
4.24.44
